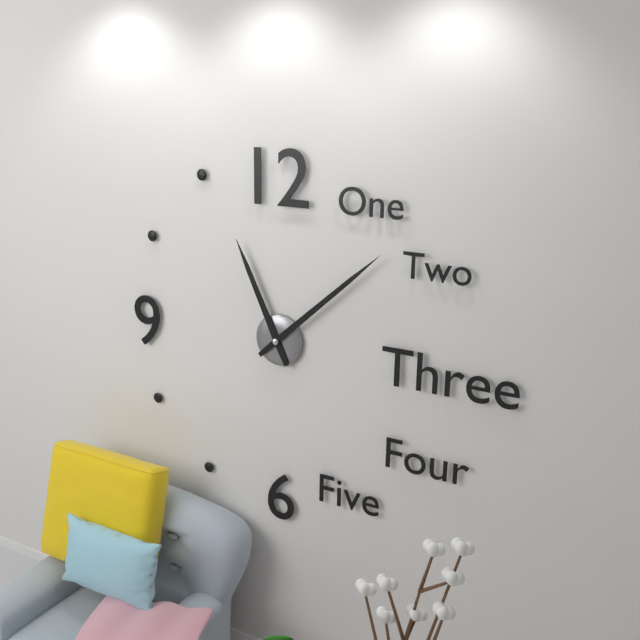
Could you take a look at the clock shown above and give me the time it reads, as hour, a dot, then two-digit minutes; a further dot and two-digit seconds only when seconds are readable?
11.08
